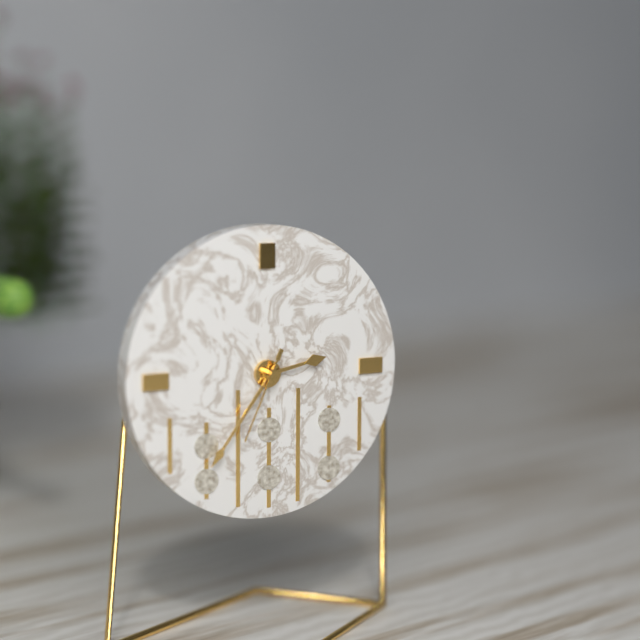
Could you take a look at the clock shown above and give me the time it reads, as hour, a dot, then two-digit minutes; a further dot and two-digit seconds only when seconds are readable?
2.36.34
